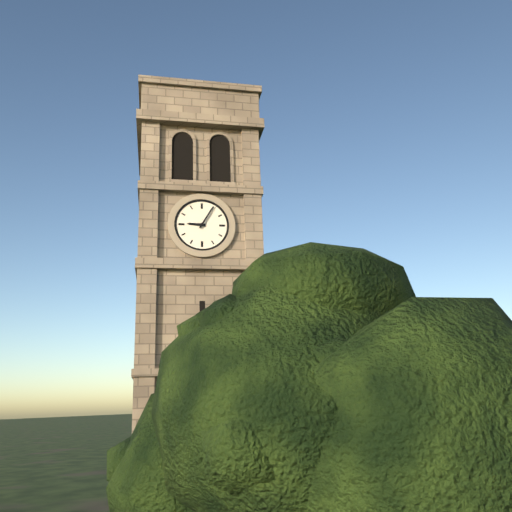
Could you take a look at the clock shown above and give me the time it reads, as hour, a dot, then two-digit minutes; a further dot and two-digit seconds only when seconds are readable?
9.05
